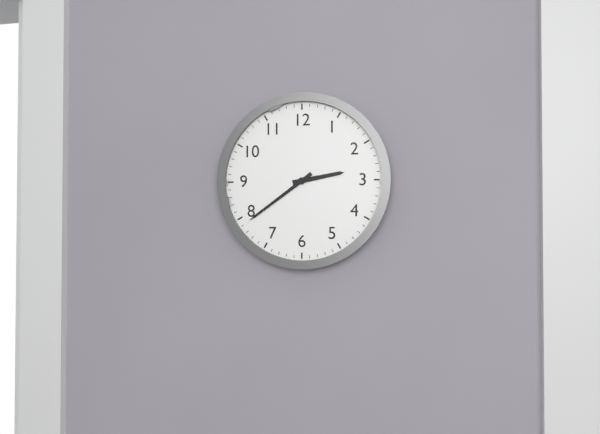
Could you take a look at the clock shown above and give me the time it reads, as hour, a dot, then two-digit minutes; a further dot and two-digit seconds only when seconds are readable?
2.39
